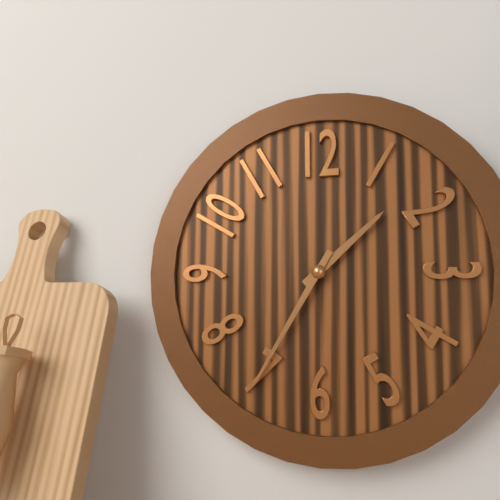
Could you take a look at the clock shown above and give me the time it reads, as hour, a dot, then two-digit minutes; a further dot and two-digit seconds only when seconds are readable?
1.35
